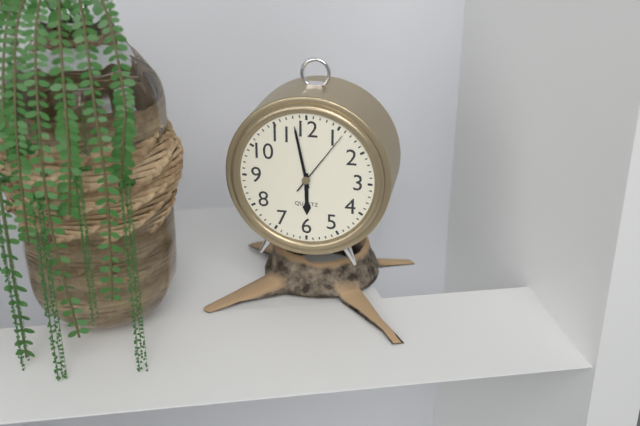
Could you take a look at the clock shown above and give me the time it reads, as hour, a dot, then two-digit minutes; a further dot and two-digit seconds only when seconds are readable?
5.58.06
